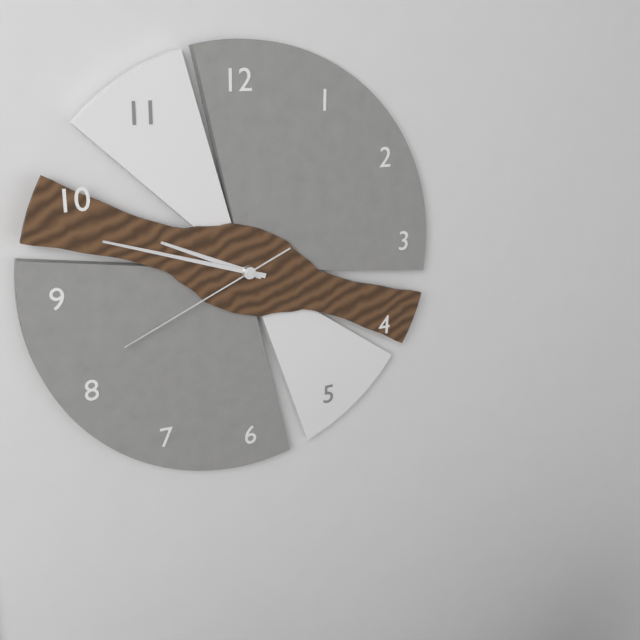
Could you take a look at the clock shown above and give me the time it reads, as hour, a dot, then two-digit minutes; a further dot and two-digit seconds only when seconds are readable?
9.48.41
